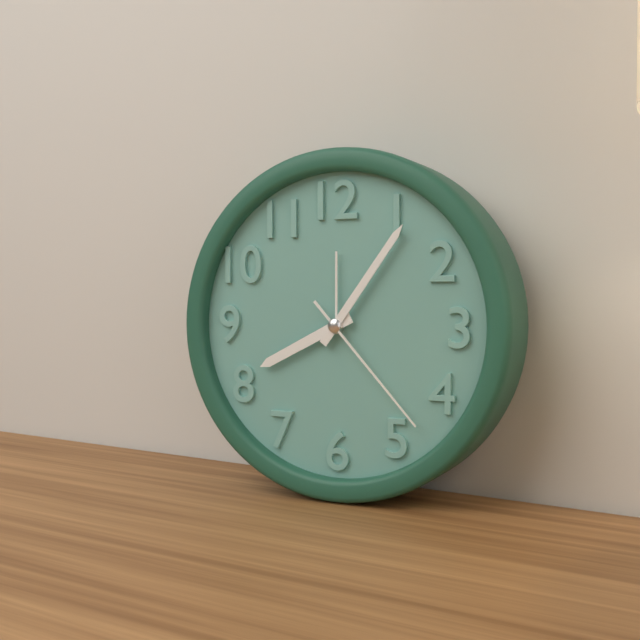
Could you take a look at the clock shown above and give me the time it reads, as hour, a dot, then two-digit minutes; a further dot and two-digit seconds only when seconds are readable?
8.06.23
